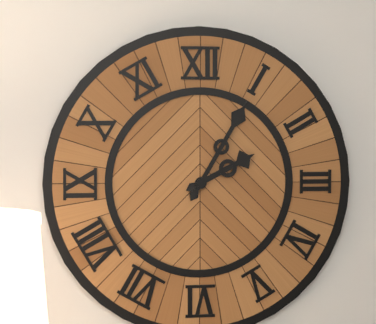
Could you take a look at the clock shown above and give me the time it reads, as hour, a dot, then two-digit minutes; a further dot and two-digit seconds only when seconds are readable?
2.05
